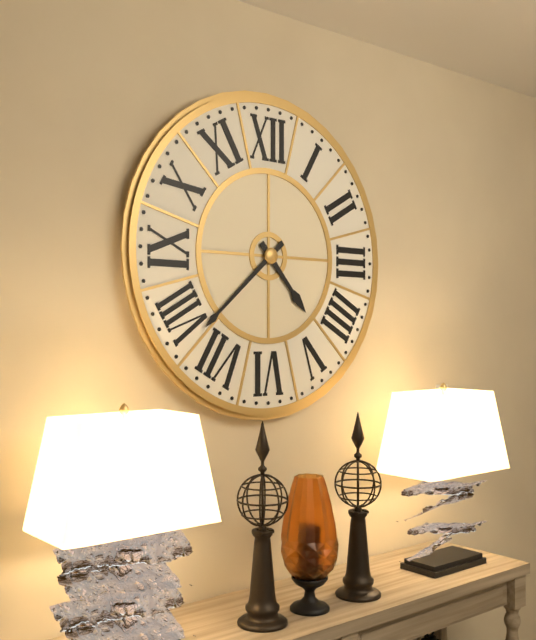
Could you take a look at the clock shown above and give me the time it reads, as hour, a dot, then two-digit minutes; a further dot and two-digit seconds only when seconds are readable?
4.38
